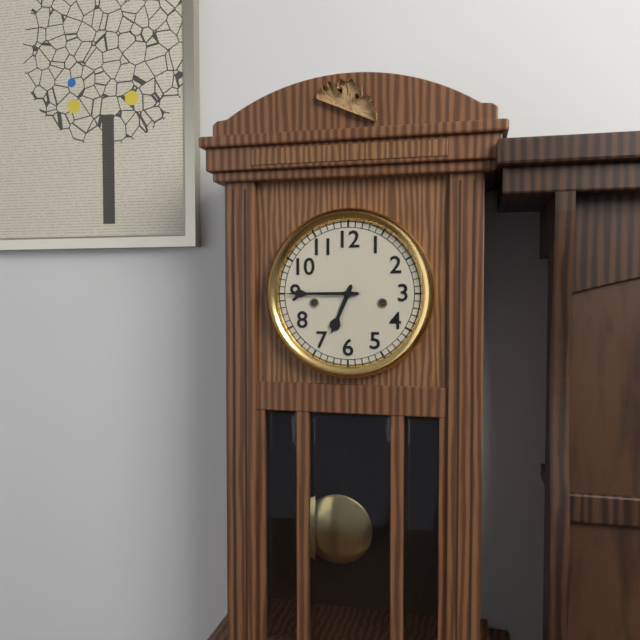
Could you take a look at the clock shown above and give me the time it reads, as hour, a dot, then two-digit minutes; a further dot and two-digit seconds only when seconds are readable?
6.45
